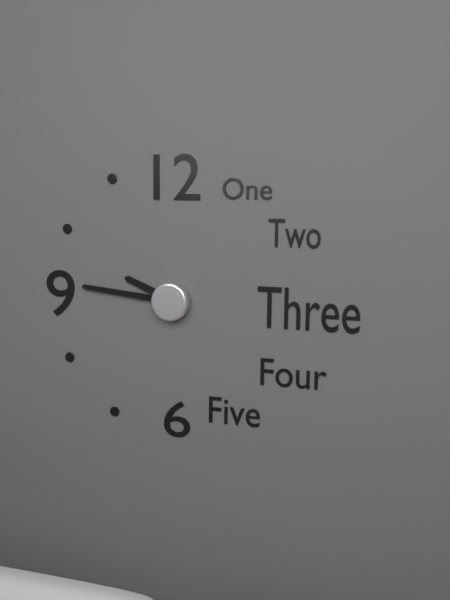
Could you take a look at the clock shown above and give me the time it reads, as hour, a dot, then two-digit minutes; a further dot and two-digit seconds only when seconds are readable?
9.46
